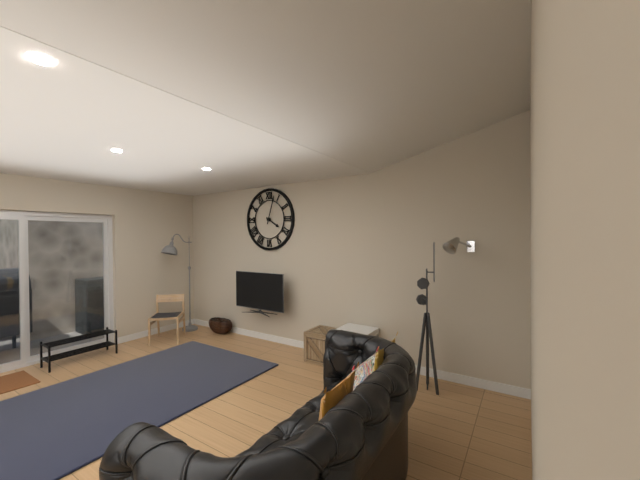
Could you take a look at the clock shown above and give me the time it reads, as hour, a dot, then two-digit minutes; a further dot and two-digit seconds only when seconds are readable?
4.03
